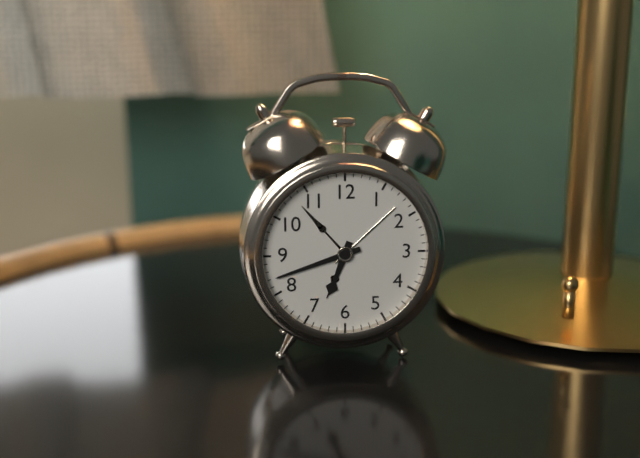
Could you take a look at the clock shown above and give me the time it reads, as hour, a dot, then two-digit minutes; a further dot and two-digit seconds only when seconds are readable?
6.42
